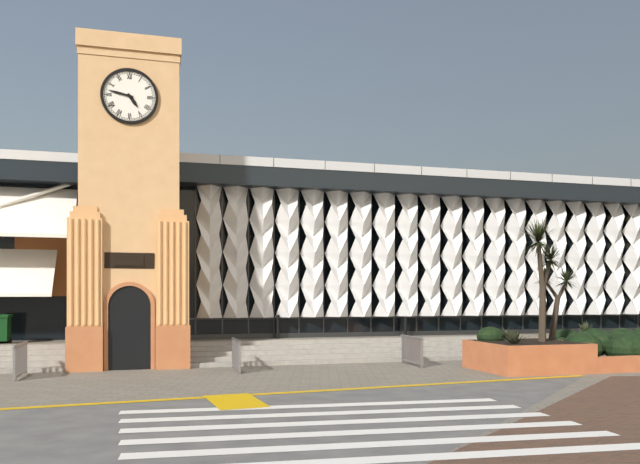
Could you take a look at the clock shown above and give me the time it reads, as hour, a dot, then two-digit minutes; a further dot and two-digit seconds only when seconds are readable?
4.47
